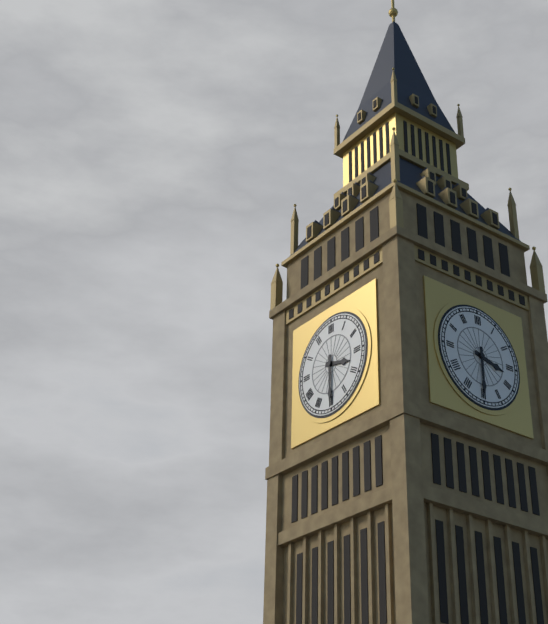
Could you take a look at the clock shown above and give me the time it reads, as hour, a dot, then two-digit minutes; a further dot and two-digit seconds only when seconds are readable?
3.30
